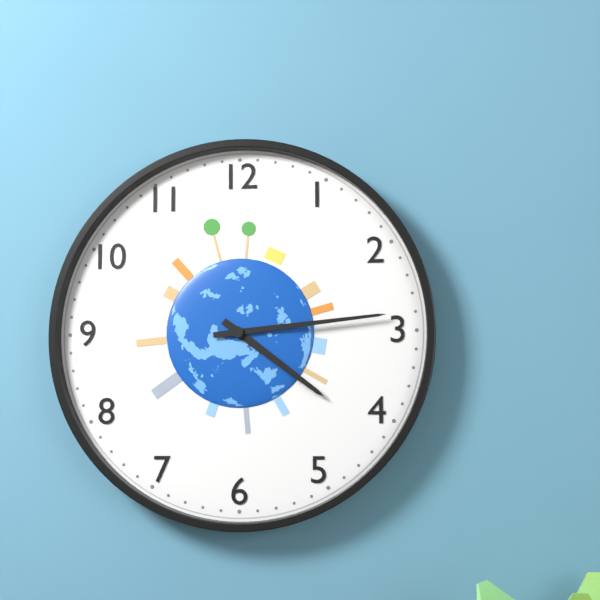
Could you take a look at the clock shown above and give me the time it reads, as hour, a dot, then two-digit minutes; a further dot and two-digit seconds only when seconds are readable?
4.14
